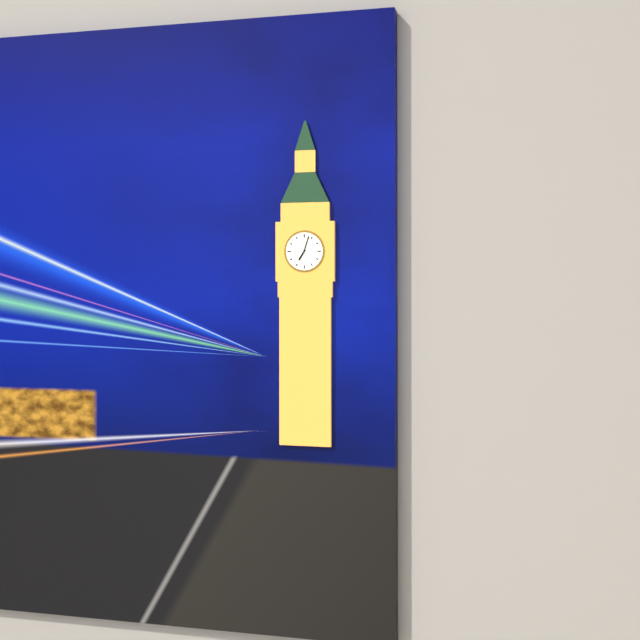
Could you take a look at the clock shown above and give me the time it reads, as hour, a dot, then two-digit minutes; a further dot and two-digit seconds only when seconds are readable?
7.03
